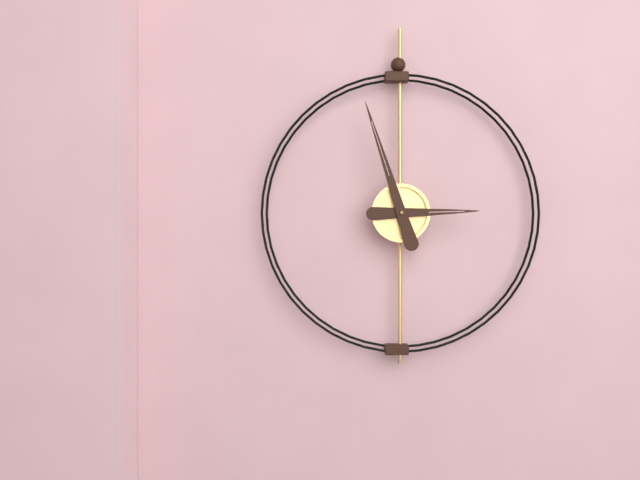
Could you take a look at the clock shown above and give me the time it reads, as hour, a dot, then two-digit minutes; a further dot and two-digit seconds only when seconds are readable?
2.57
